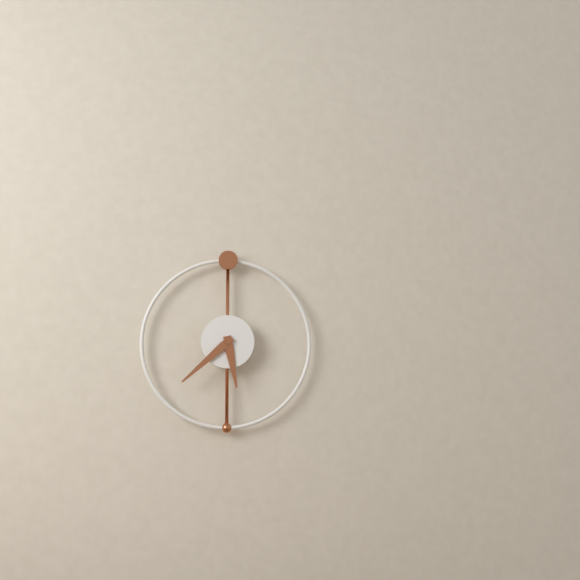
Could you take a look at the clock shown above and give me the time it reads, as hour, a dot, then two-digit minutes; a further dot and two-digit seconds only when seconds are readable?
5.38
